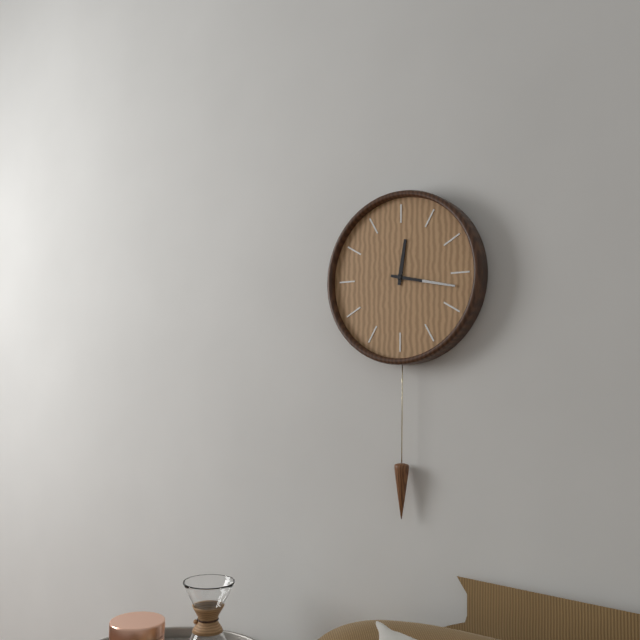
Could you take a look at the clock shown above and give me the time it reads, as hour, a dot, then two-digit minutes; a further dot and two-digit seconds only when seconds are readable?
12.17
